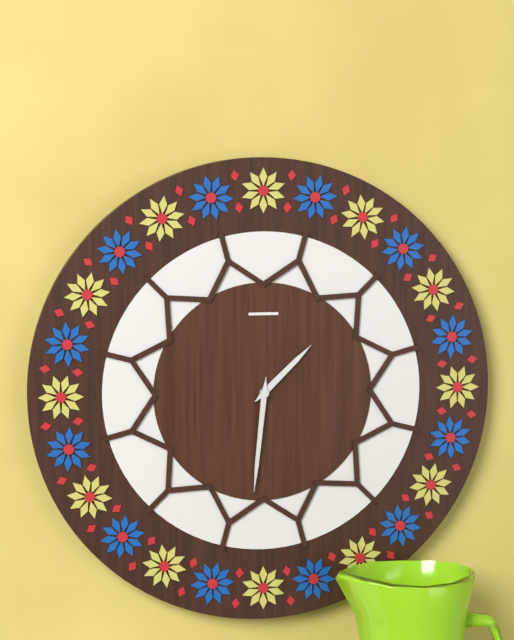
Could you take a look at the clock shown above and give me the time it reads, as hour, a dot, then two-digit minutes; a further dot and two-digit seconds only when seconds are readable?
1.31
